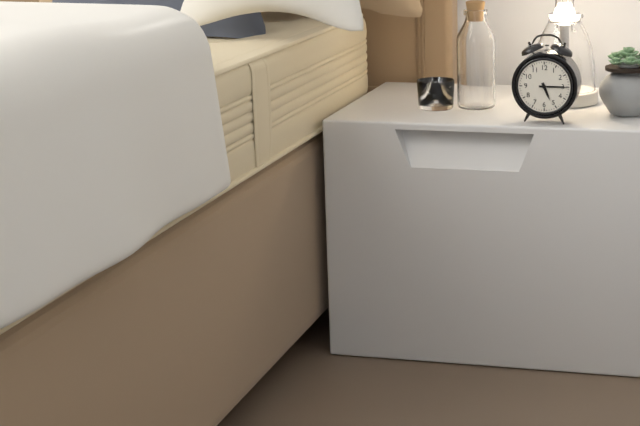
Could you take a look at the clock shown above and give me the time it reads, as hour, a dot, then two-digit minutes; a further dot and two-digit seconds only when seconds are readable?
5.15
